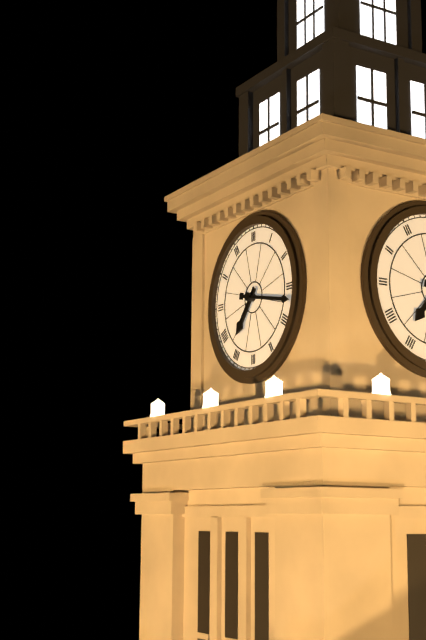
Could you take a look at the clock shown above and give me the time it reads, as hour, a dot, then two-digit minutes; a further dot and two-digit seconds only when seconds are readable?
7.17
